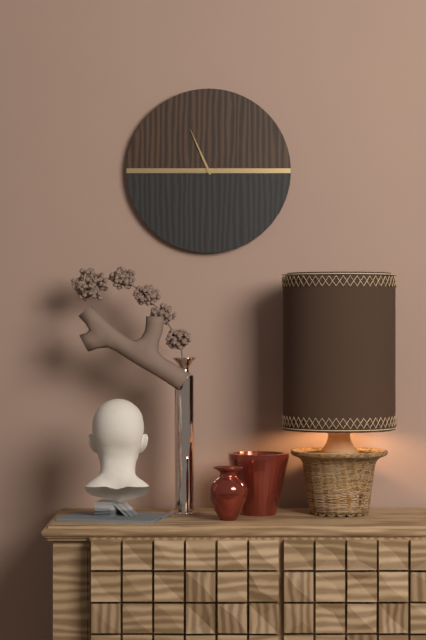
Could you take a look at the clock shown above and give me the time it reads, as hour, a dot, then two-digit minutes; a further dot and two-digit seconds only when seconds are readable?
8.56
